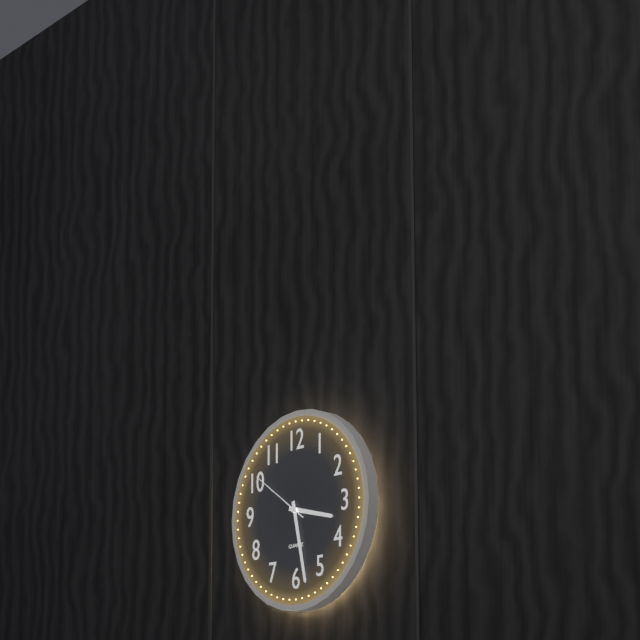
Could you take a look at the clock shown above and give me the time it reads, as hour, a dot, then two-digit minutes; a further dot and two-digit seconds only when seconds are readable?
3.28.51
